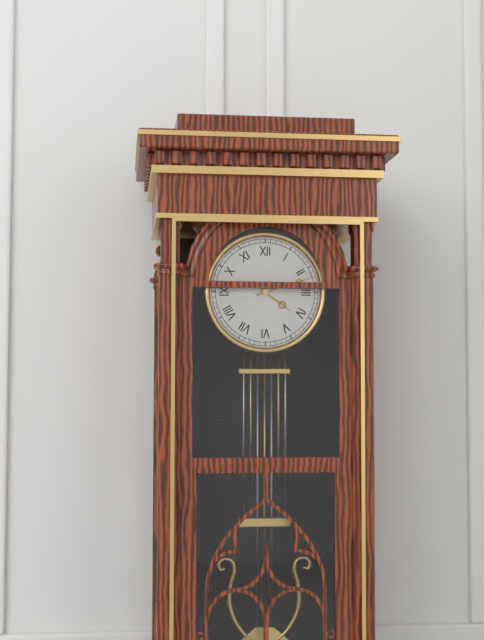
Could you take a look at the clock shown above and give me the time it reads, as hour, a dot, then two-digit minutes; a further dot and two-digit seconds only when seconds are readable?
4.12
